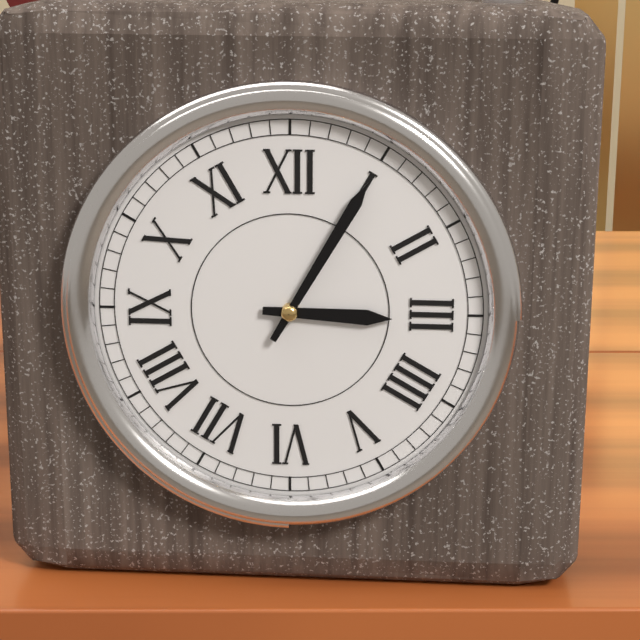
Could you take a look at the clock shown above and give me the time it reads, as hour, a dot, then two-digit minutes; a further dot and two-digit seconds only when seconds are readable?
3.05
